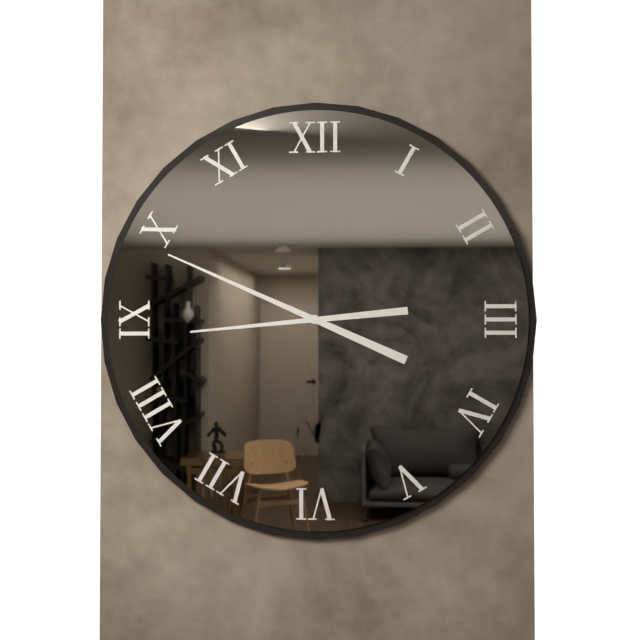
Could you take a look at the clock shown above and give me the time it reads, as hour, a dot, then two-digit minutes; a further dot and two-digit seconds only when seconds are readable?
8.49
